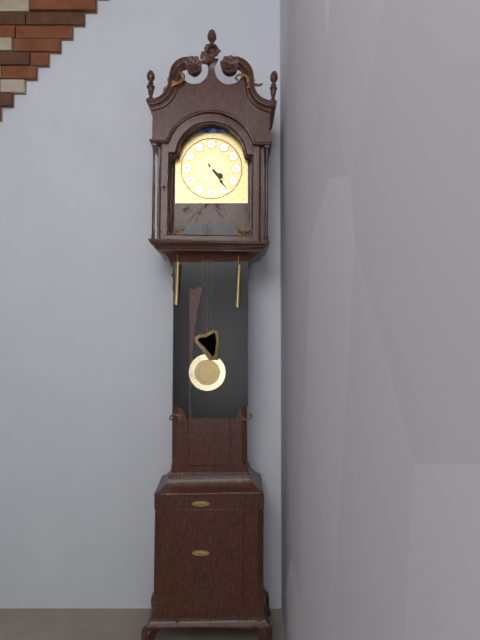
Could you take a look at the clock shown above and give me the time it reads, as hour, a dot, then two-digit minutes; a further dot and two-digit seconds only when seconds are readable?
4.24
